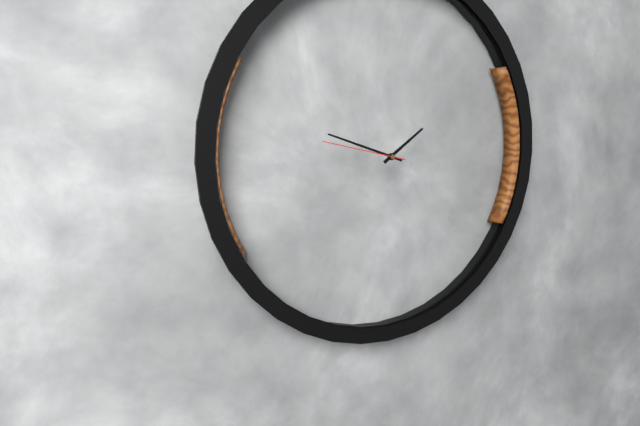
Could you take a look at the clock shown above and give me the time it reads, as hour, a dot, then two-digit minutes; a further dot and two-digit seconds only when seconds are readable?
1.48.47
